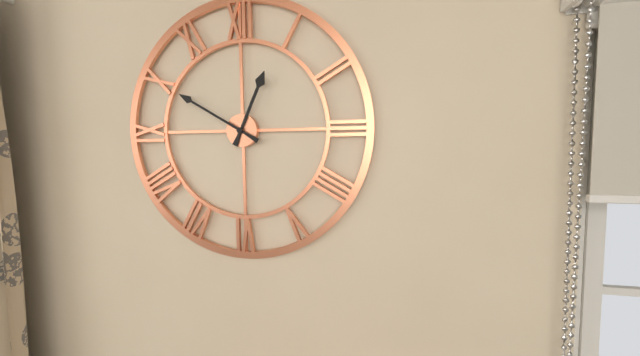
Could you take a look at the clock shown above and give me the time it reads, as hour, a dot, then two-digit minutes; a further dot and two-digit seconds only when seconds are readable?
12.50
